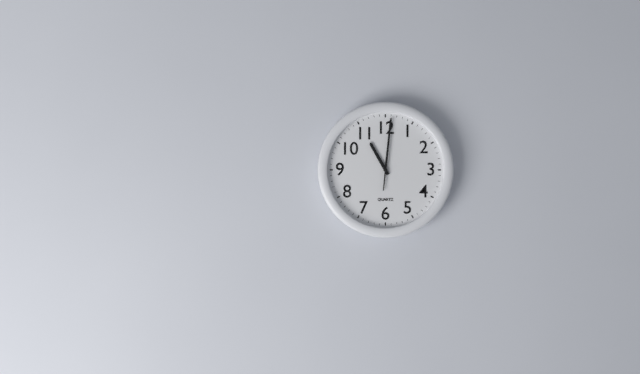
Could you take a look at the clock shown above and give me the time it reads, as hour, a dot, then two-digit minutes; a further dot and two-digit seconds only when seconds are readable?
11.01
